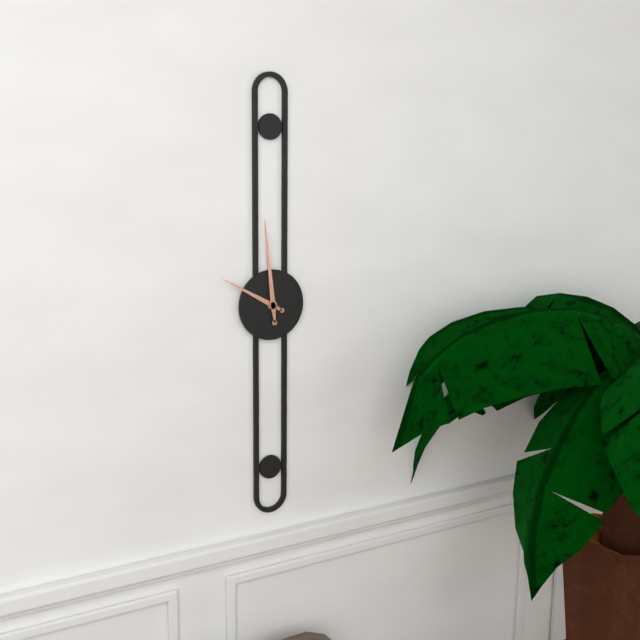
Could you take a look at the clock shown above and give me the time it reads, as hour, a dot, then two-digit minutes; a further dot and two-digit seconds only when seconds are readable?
9.59
